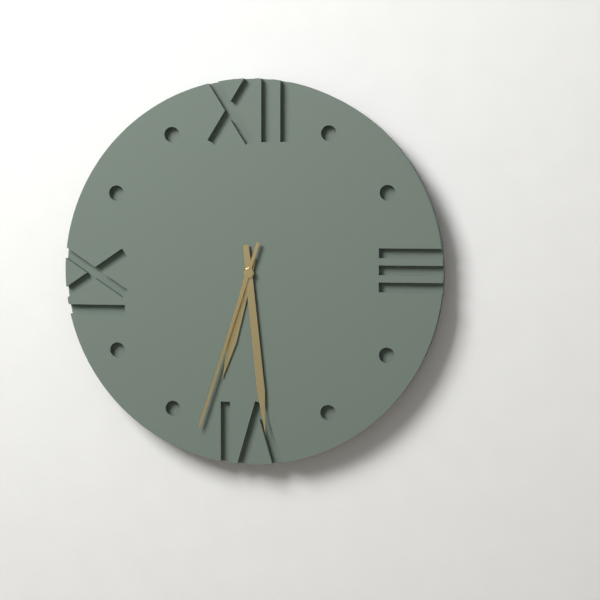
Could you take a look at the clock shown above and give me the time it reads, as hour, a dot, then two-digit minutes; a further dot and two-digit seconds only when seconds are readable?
6.29.33
